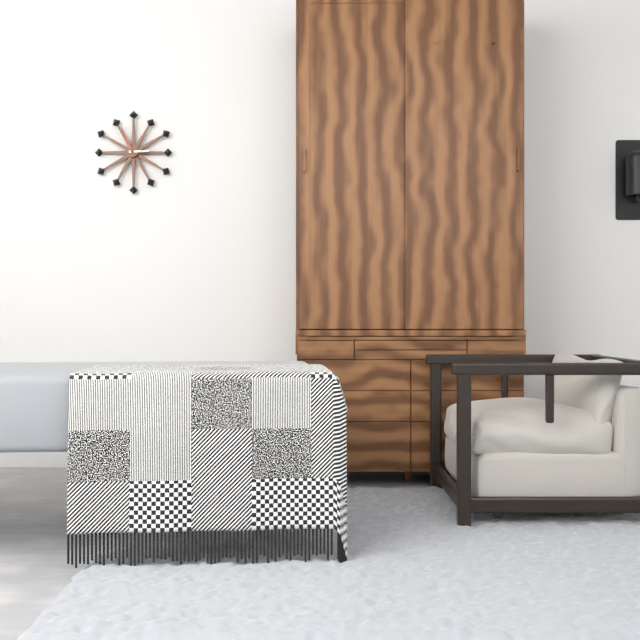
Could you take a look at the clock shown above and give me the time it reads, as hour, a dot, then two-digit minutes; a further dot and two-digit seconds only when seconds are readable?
2.56
